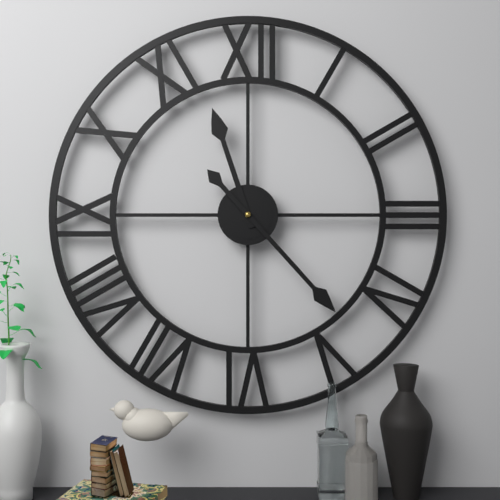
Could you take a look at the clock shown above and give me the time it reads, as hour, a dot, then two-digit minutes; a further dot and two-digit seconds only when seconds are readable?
11.23
